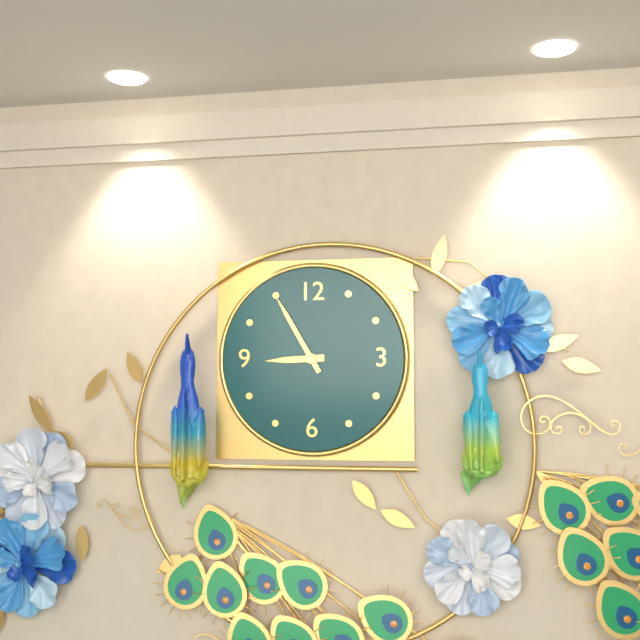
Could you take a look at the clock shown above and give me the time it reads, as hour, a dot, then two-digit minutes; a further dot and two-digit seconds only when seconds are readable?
8.55
